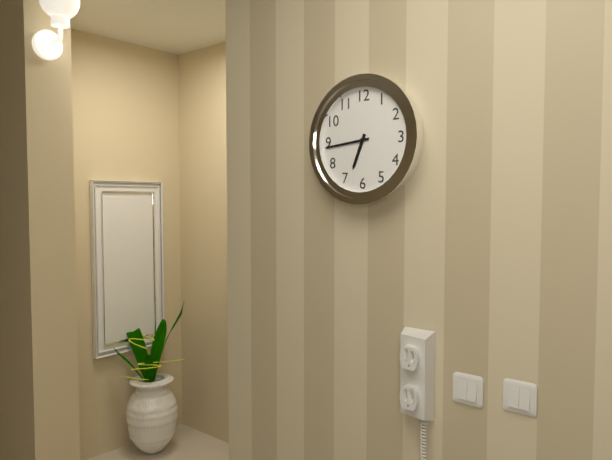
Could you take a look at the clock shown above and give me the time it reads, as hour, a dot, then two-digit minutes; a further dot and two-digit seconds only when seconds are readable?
6.44
